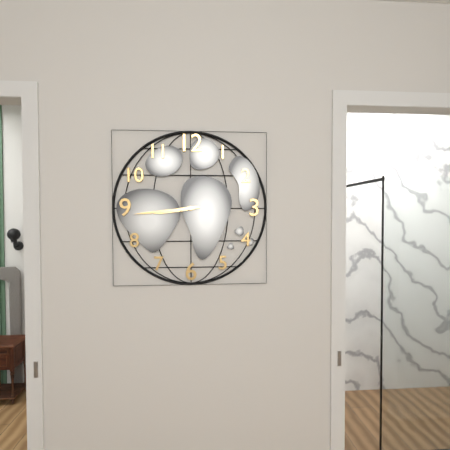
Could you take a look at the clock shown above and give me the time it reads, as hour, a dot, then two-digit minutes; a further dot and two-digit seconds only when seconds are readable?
8.44
